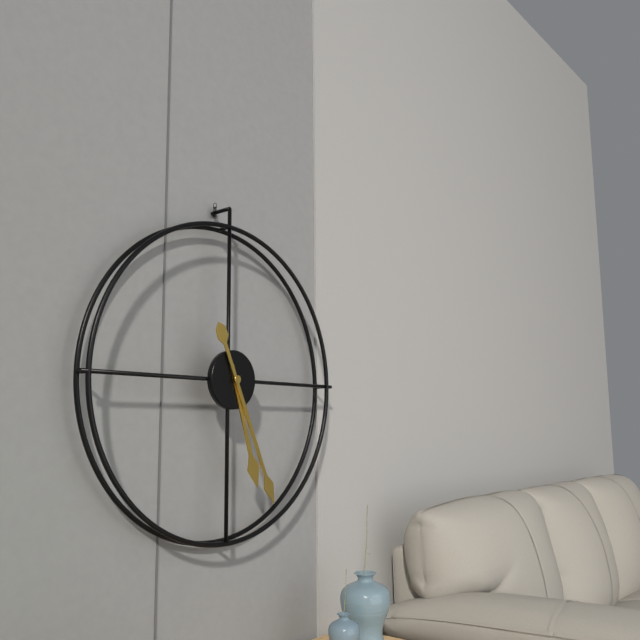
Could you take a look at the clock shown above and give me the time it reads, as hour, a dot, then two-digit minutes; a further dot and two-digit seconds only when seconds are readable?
5.26
